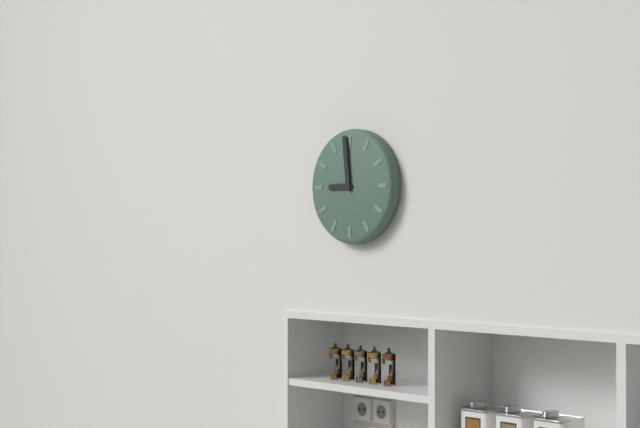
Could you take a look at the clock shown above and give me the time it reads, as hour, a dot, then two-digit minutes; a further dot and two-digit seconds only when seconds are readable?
8.59
